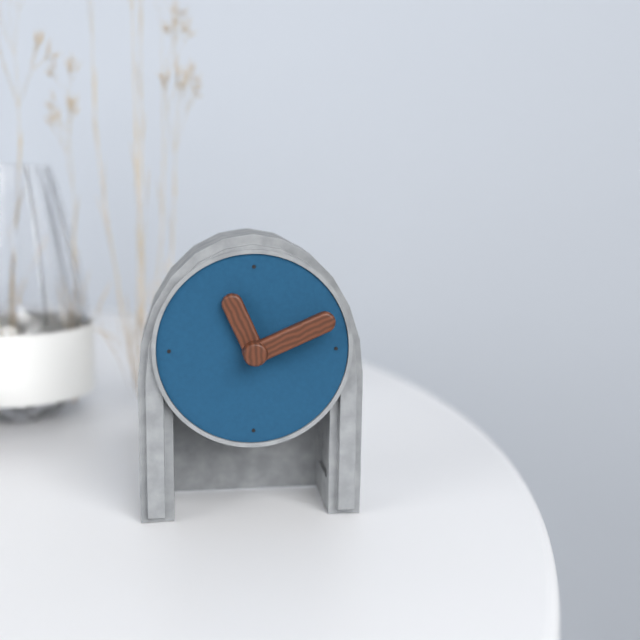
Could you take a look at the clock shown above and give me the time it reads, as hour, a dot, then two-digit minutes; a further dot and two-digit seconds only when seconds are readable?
11.11
